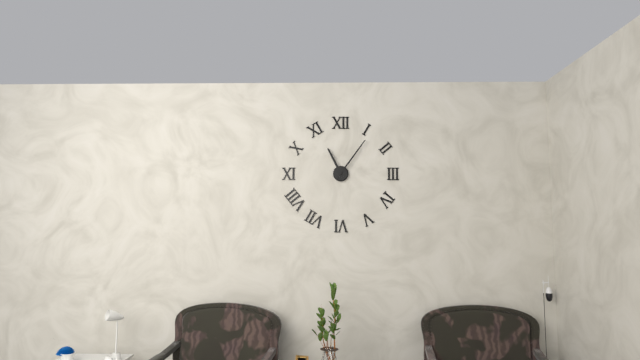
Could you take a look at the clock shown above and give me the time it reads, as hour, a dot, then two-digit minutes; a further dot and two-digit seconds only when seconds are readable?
11.06
